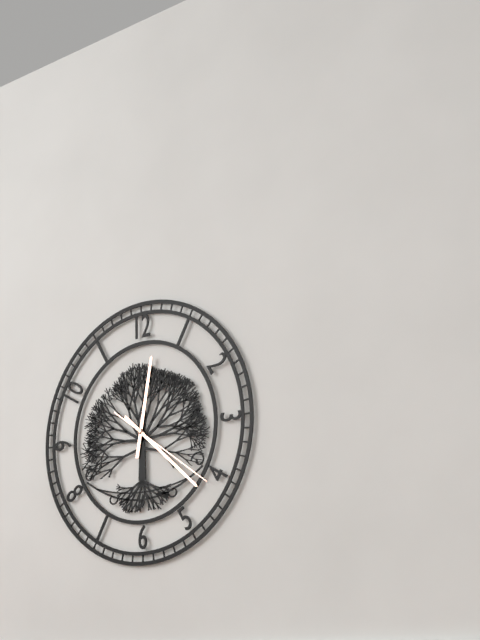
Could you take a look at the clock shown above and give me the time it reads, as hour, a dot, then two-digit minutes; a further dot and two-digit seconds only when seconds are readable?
12.22.21
